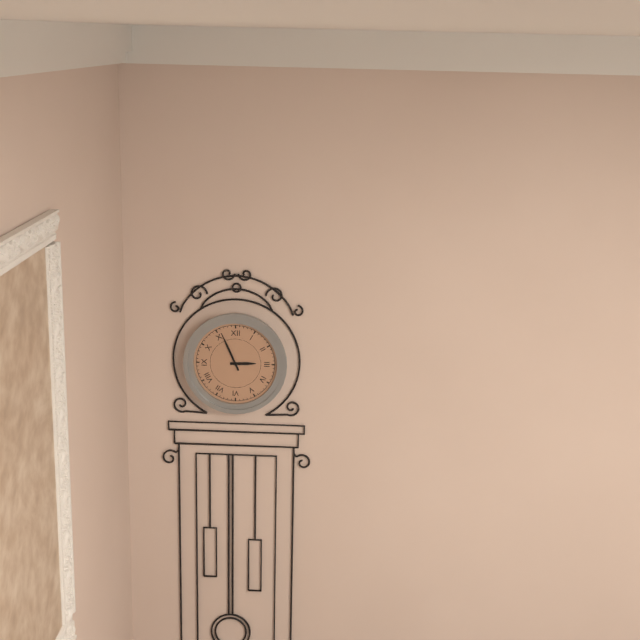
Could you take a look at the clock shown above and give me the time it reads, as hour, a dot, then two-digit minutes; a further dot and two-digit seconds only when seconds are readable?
2.56
